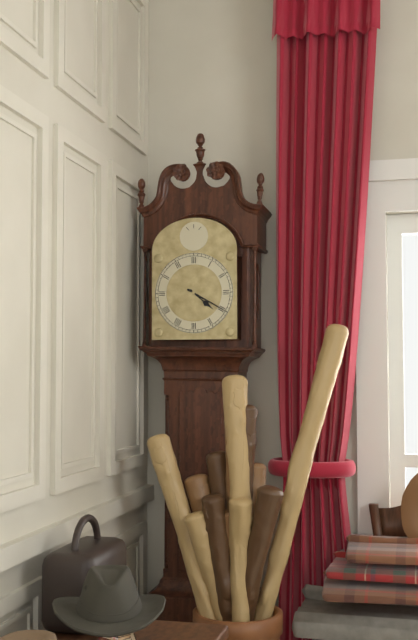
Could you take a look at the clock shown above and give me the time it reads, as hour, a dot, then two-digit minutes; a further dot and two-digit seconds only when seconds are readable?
4.20
